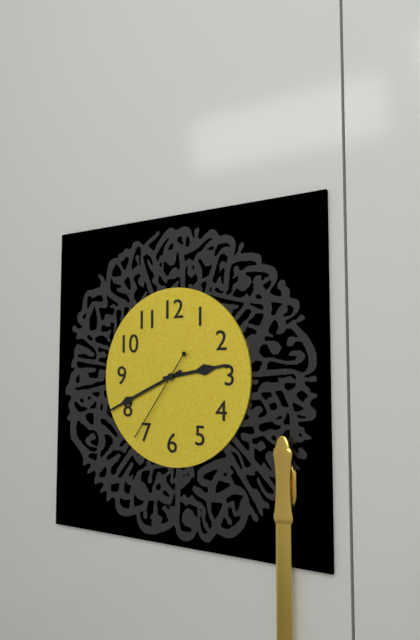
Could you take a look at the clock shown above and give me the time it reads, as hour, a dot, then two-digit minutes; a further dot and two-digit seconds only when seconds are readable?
2.41.36
